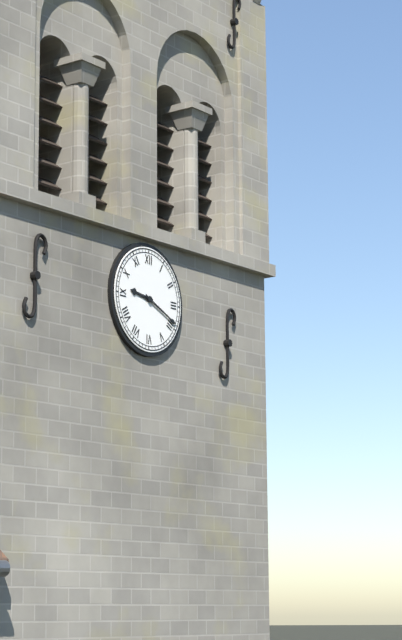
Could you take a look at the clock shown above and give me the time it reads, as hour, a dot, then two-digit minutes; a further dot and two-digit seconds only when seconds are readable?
9.19
